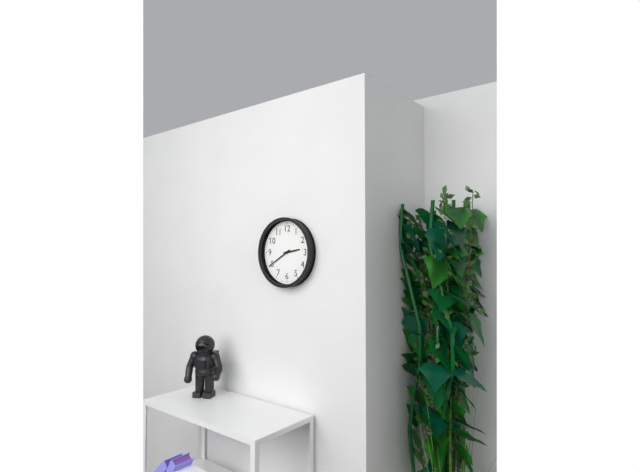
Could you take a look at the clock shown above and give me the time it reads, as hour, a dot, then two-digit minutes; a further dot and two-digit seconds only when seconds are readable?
2.40
